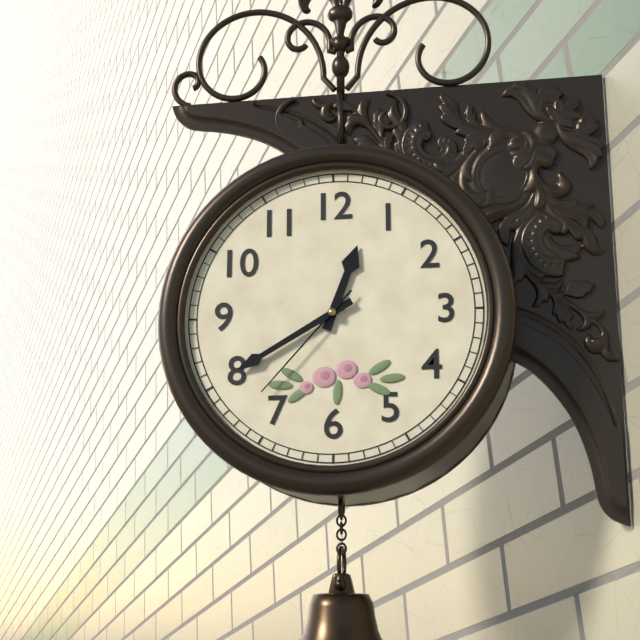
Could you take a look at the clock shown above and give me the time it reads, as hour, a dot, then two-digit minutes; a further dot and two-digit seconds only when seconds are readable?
12.40.37
